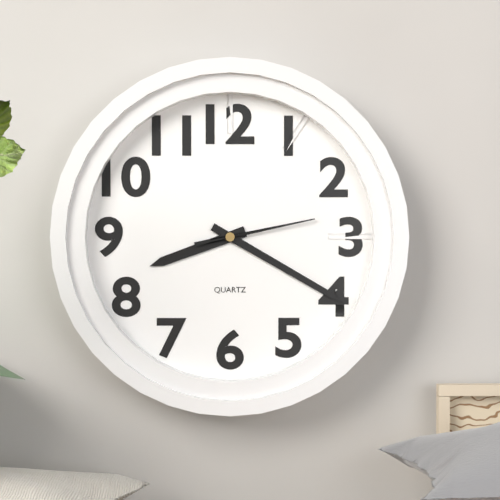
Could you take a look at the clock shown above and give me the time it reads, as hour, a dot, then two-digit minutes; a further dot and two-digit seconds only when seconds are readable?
8.20.13
